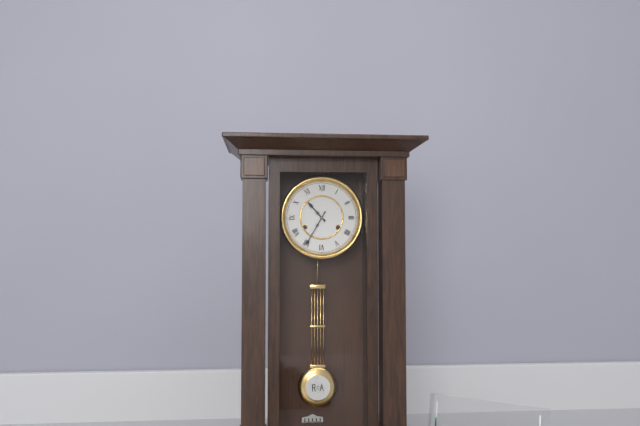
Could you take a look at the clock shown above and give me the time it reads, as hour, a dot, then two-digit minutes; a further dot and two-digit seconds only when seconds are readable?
10.35
